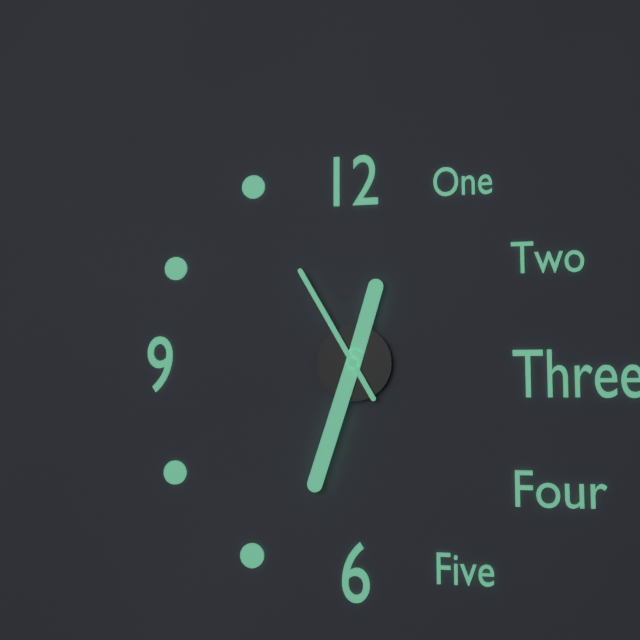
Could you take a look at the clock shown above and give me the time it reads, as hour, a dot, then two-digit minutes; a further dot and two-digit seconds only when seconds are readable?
12.33.55
